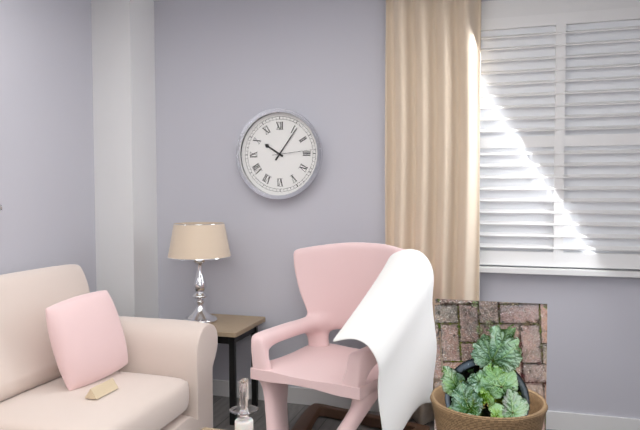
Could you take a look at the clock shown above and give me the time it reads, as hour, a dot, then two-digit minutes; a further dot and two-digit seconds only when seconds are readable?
10.06
